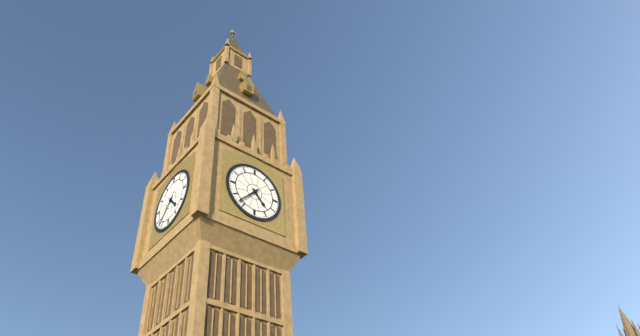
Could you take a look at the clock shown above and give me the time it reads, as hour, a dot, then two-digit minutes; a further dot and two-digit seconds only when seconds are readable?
4.37
